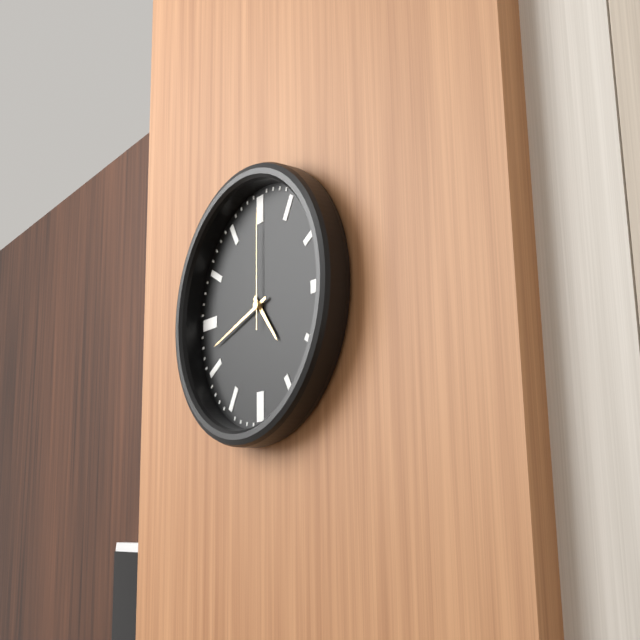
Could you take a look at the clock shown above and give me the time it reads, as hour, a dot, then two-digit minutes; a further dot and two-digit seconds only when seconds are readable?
4.42.00
